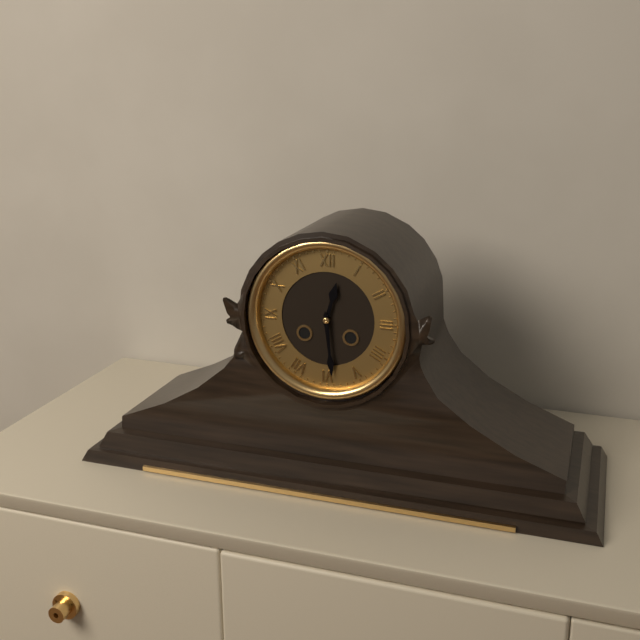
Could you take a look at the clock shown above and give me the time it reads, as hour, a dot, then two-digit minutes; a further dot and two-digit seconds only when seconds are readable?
12.29
